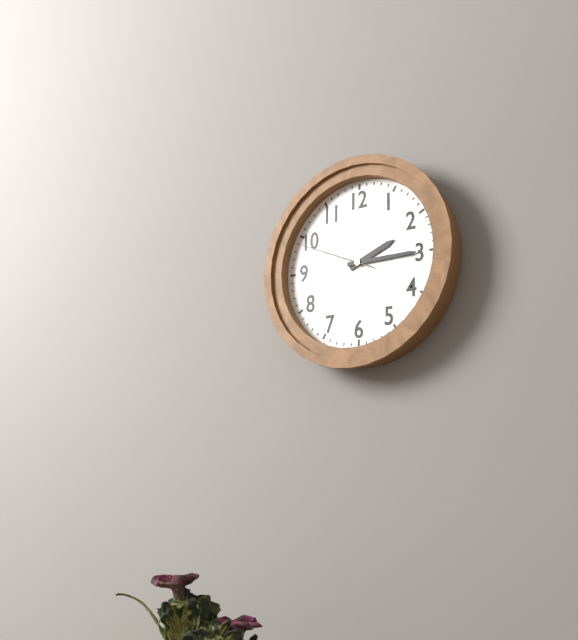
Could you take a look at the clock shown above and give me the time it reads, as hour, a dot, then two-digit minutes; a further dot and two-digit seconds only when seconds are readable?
2.15.49
